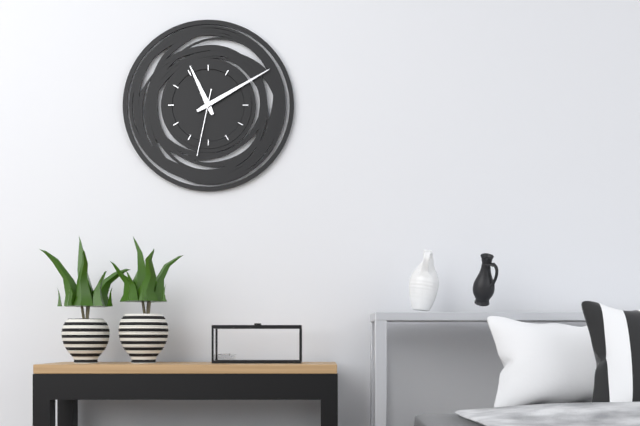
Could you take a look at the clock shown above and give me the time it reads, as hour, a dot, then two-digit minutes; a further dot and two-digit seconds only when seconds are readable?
11.10.32
